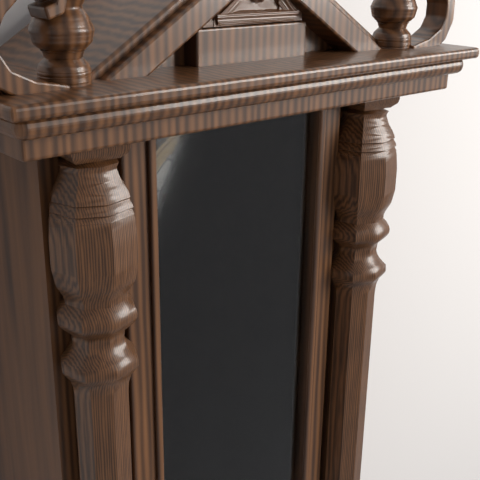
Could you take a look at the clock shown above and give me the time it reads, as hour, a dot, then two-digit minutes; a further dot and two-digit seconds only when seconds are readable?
4.25
